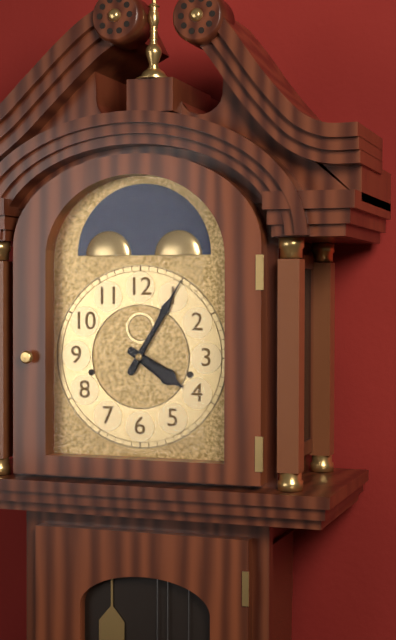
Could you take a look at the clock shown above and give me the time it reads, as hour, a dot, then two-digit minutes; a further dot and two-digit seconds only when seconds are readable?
4.05
